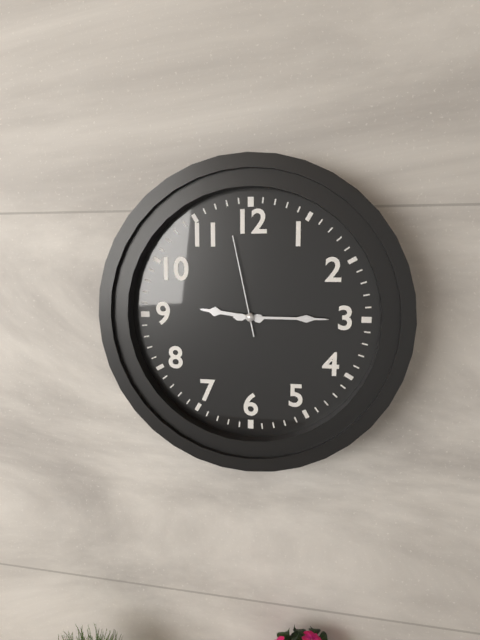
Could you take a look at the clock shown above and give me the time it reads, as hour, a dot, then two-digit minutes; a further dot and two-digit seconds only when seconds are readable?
9.15.58
